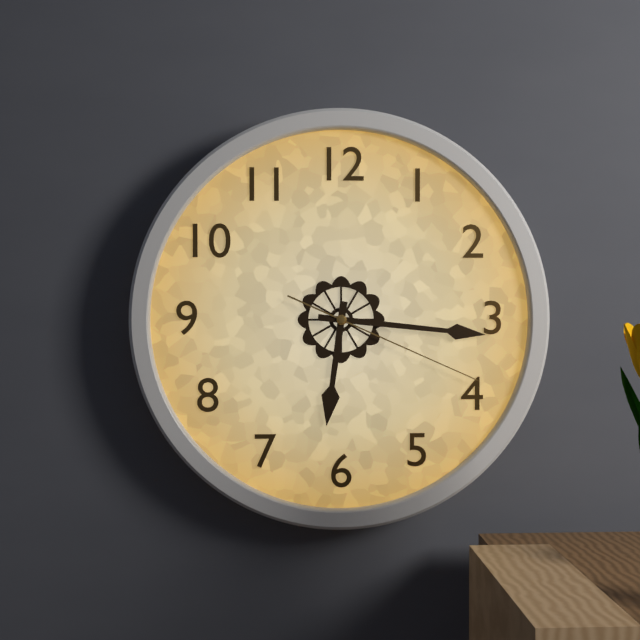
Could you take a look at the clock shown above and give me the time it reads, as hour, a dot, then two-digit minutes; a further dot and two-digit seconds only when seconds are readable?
6.16.19
